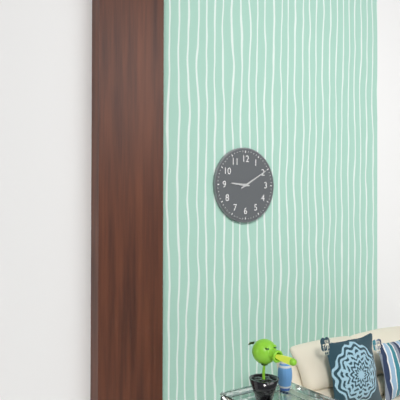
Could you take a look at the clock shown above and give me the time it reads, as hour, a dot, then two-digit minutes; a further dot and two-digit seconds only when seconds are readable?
9.10
